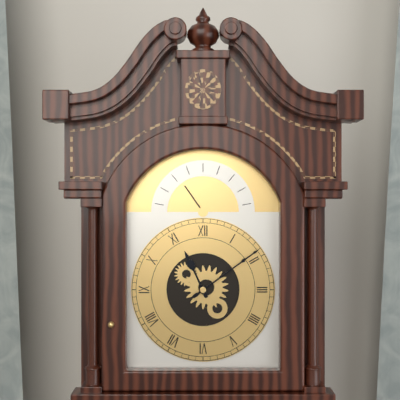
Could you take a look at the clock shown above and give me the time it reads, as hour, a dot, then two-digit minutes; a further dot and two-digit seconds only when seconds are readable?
11.09
